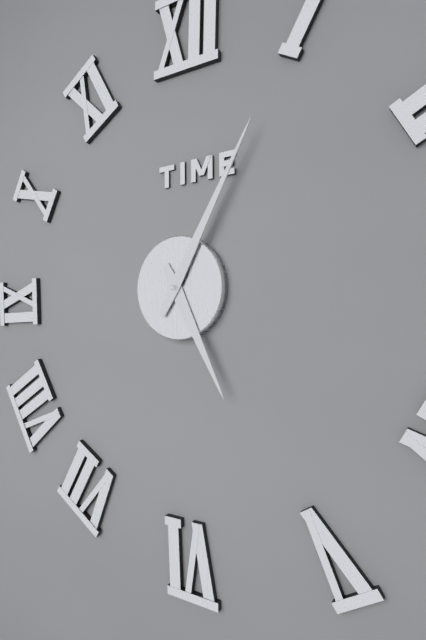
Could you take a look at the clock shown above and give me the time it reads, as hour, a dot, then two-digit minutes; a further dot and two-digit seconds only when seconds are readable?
5.05
